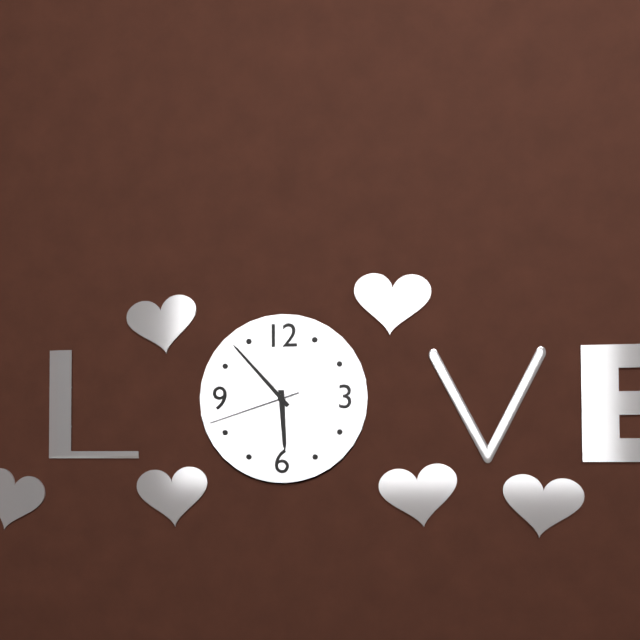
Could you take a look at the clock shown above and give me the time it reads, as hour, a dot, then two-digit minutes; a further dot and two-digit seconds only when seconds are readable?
5.53.42
